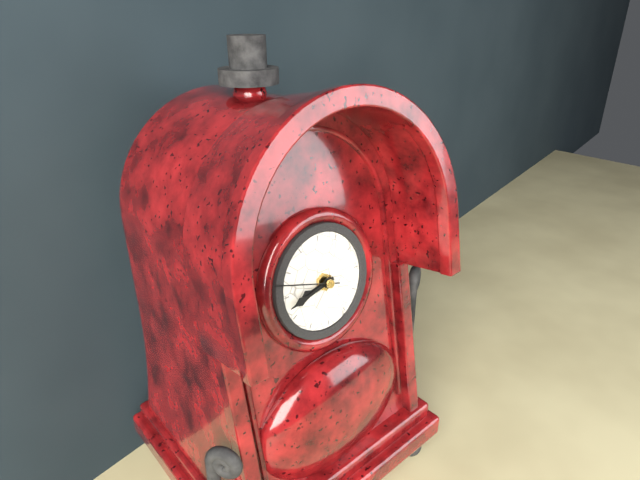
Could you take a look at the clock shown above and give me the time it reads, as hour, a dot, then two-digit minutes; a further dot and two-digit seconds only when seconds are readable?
8.43.48
